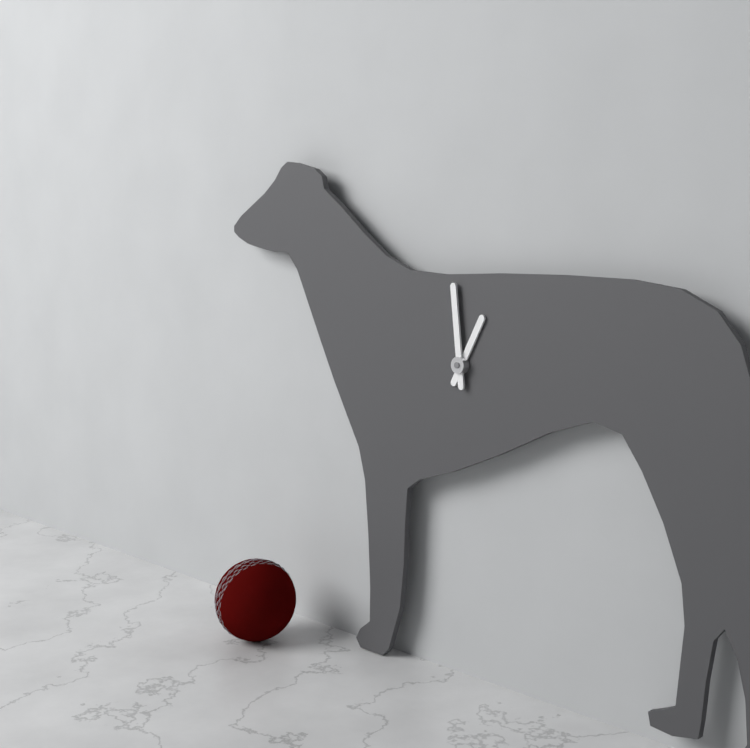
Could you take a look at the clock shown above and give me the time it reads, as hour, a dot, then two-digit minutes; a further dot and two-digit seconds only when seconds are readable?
12.59
